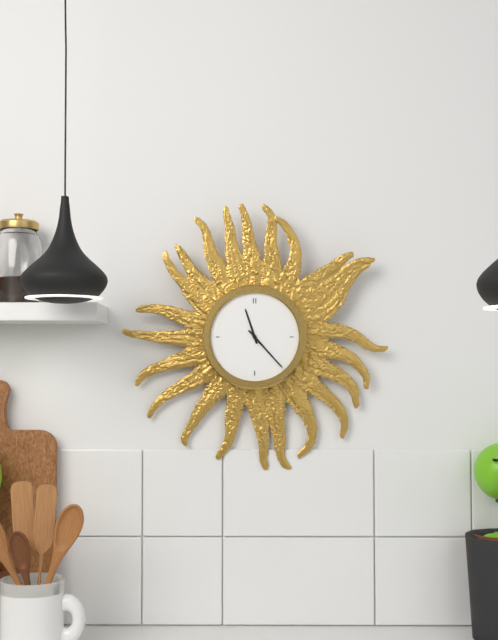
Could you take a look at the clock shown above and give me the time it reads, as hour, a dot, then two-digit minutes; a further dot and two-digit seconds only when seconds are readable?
11.23
